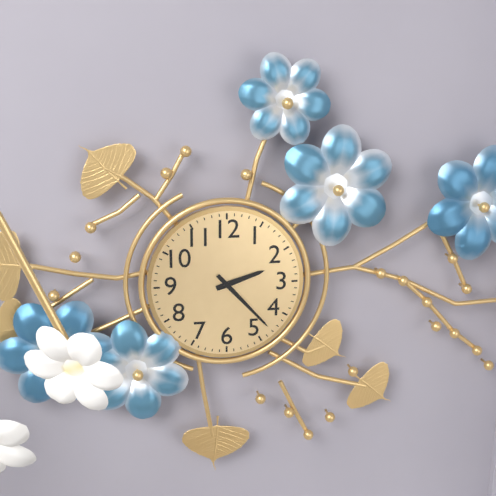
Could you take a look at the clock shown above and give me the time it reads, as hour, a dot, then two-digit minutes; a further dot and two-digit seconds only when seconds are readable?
2.23
